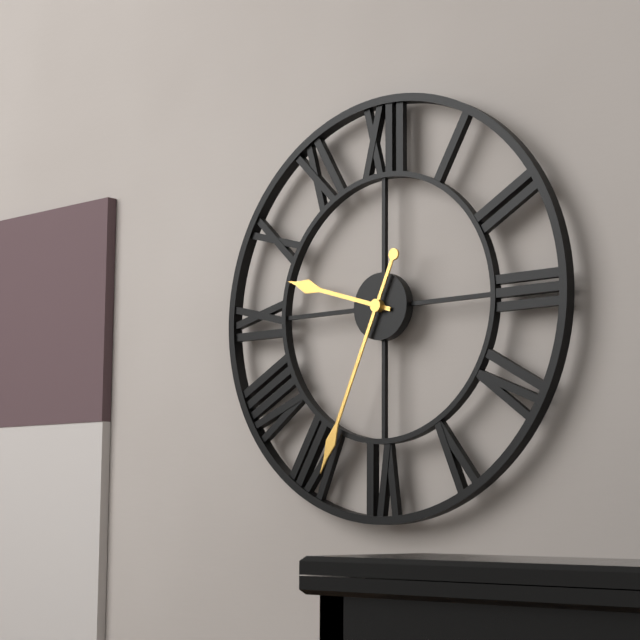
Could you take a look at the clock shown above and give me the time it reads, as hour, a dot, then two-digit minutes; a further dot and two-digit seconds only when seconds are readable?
9.34
